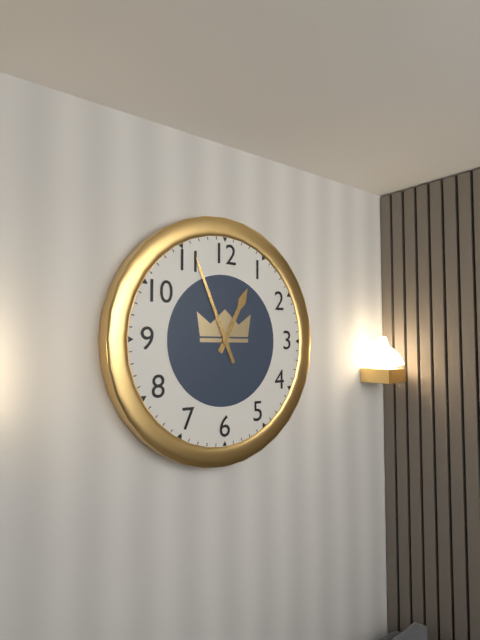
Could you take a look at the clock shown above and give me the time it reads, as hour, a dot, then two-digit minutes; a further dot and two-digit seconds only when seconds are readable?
12.56
